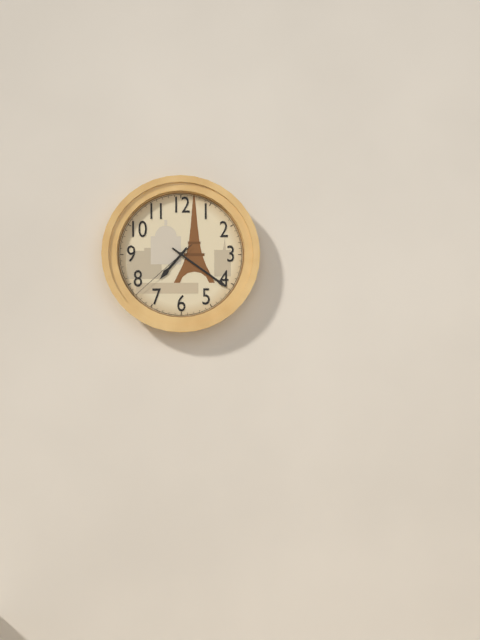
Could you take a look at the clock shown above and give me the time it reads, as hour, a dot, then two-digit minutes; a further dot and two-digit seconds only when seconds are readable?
7.21.38
